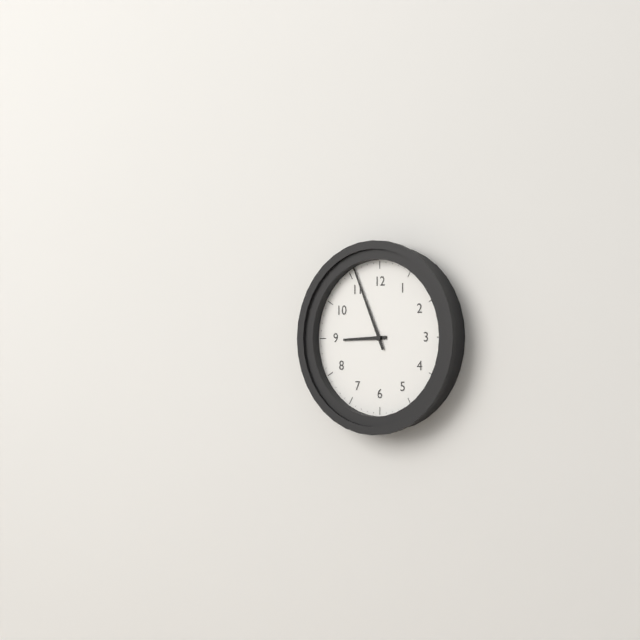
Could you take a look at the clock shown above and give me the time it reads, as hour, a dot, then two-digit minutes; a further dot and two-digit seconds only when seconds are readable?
8.56
